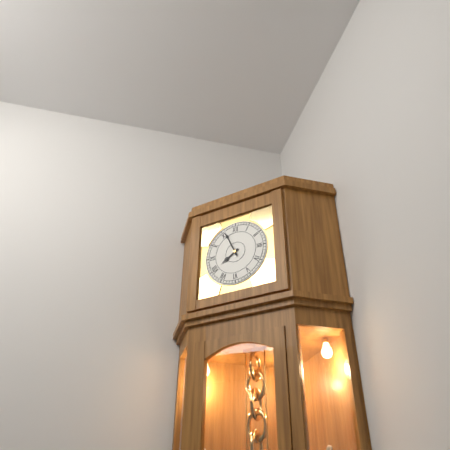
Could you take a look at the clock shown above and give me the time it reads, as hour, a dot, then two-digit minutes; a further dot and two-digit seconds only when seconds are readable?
7.56
